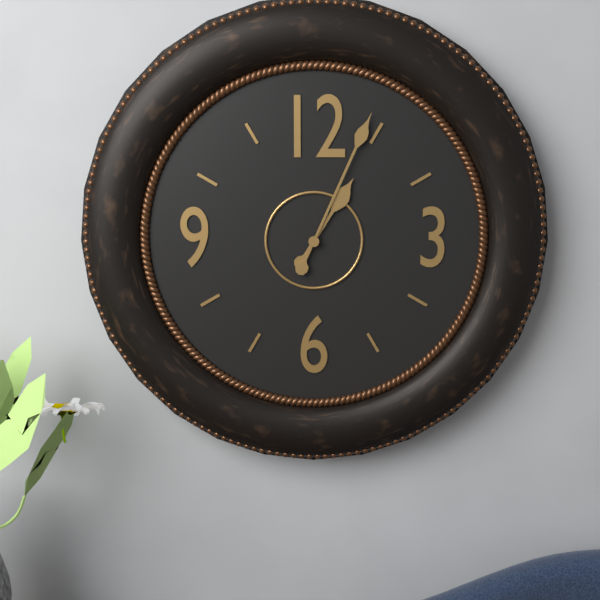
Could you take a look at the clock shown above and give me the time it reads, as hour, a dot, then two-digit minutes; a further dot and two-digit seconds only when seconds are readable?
1.04
